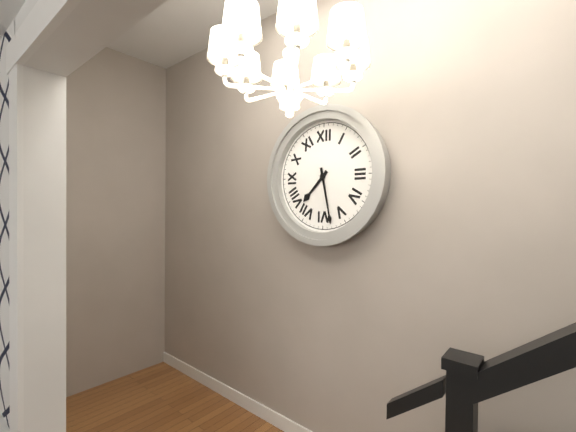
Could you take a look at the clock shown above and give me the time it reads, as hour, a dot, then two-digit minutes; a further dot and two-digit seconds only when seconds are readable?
7.28
